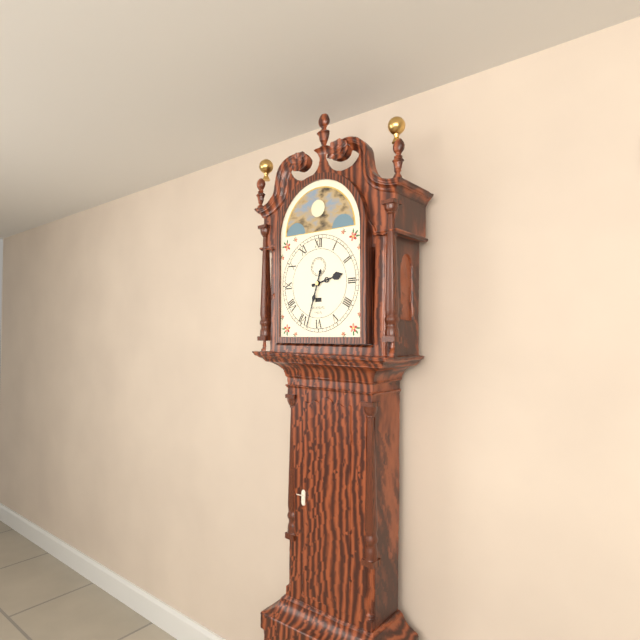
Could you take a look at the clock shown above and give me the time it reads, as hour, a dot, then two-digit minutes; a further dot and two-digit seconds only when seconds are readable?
2.33
